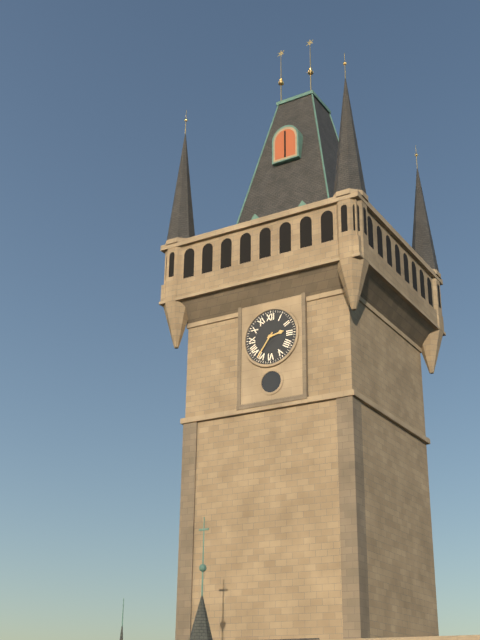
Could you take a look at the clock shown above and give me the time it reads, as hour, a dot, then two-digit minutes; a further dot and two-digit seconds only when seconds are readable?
2.36
